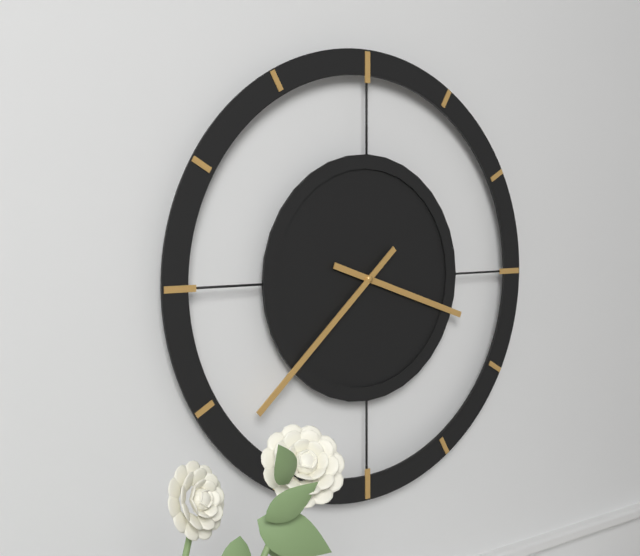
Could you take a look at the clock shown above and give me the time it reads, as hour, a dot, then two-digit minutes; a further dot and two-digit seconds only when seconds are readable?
3.38
